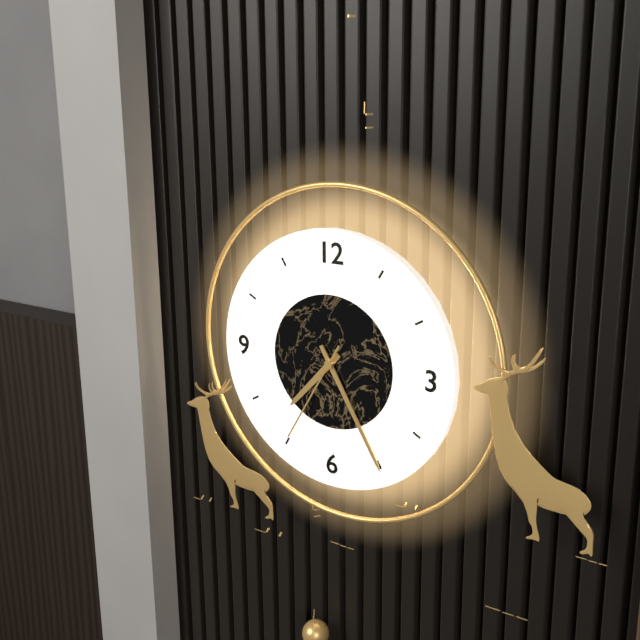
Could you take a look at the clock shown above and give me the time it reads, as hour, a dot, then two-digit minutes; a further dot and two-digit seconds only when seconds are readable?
7.25.35
